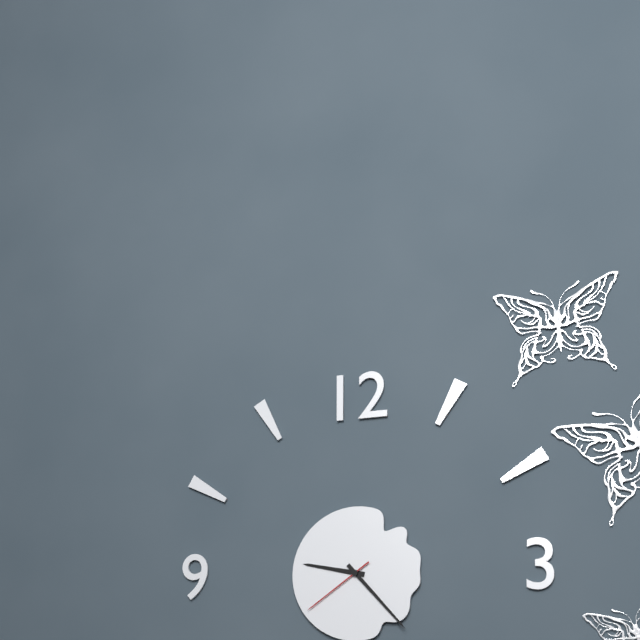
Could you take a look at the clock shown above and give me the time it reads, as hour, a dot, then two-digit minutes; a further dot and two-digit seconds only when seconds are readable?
9.23.39
